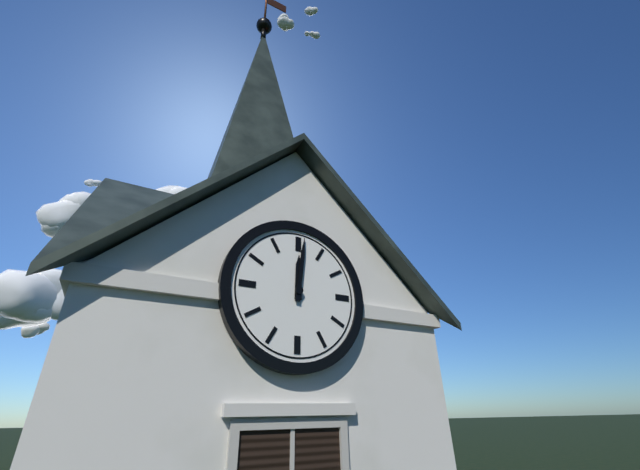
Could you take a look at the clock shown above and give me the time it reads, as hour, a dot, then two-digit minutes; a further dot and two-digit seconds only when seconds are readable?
12.01
